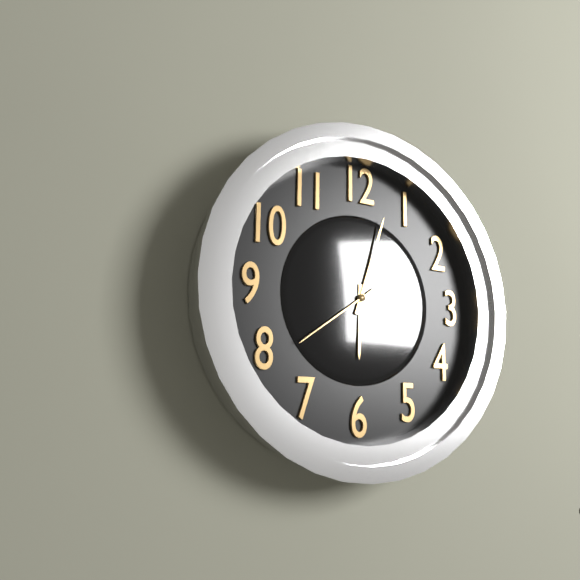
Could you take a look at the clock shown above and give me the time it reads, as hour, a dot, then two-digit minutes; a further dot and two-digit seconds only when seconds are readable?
6.03.39
